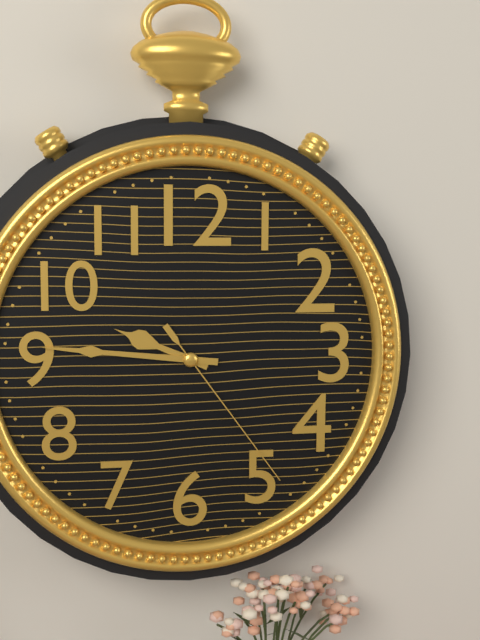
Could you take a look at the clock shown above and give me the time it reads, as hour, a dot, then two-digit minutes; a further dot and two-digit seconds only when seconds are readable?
9.46.24
